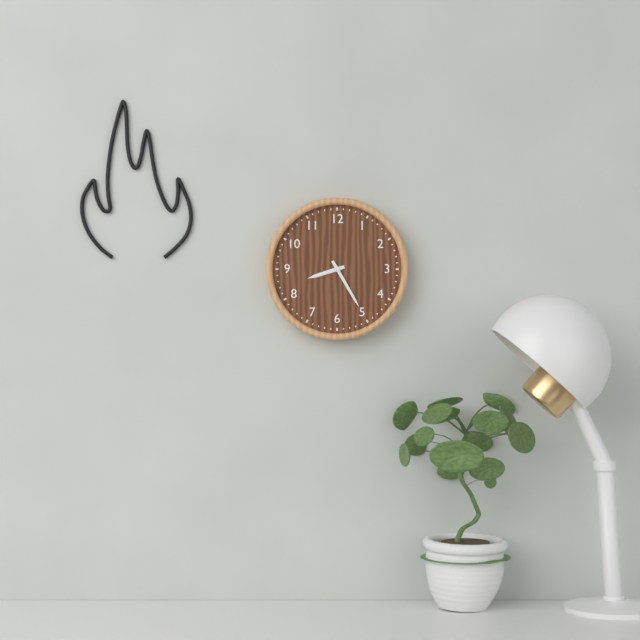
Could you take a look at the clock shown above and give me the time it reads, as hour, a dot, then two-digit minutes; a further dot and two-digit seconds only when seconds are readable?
8.25
